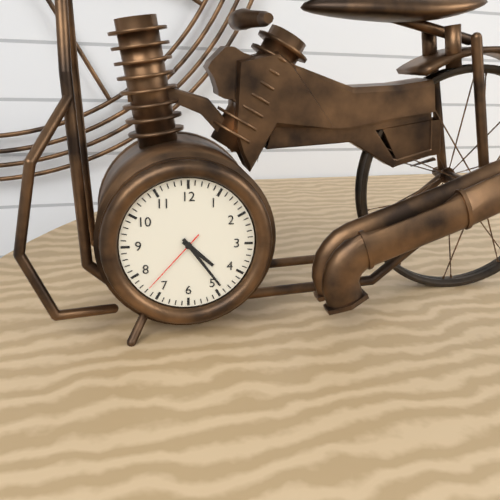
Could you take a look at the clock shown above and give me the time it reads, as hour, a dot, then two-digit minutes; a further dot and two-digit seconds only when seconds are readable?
4.24.37
